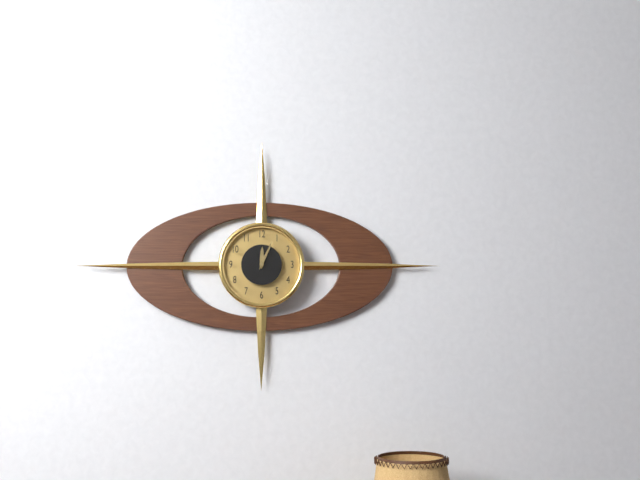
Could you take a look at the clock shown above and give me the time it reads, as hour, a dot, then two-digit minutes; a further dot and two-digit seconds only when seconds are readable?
12.04
